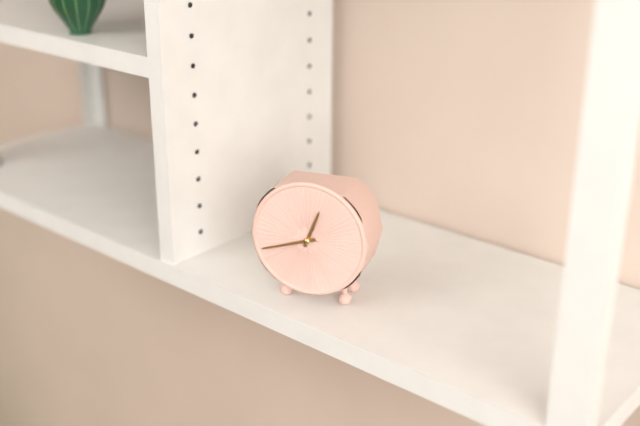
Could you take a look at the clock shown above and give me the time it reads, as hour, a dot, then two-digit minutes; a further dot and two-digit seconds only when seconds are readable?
12.42
